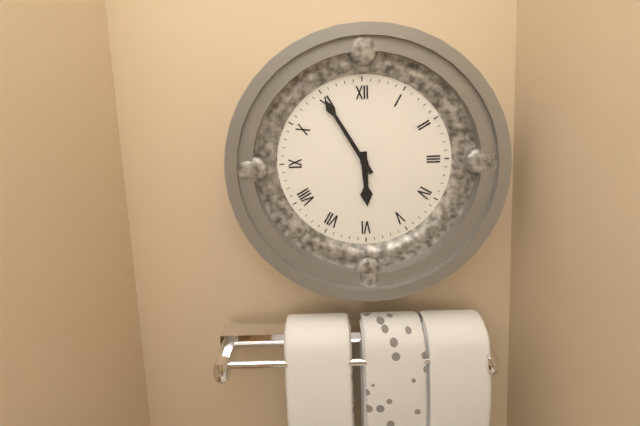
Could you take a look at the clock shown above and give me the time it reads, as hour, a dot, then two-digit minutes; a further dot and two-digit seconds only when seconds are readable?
5.55
